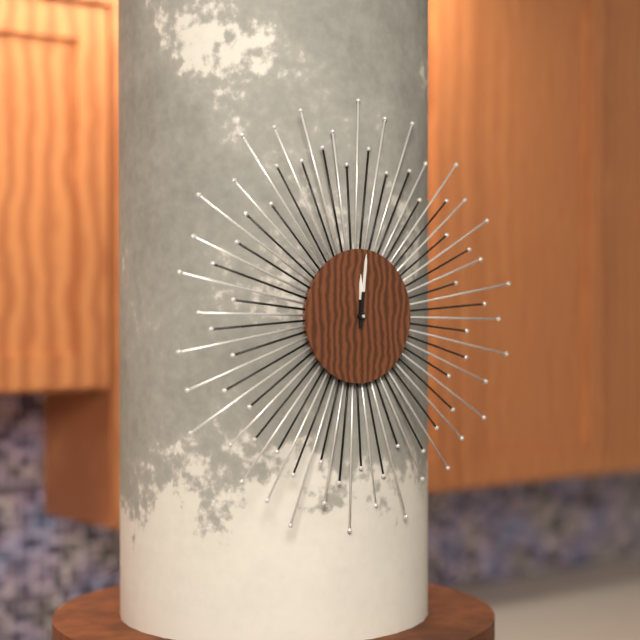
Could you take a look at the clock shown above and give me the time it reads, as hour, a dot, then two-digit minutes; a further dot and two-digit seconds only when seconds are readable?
12.01
